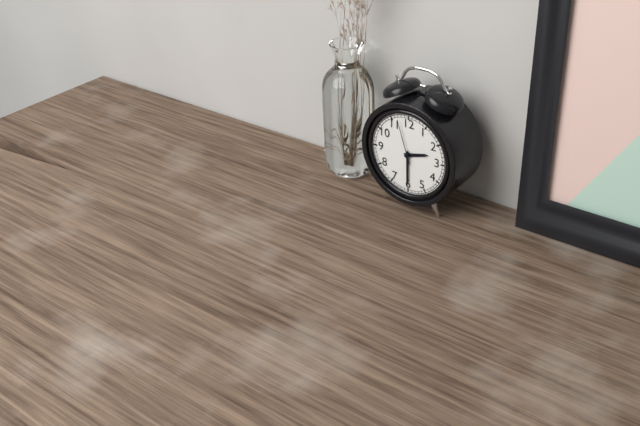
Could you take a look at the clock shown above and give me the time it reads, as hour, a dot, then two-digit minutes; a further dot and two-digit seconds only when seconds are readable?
2.30
